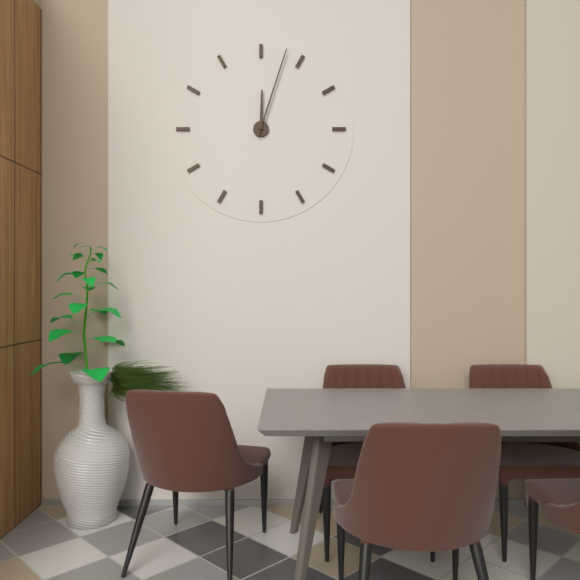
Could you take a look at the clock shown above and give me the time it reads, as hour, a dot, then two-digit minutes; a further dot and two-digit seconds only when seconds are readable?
12.03
